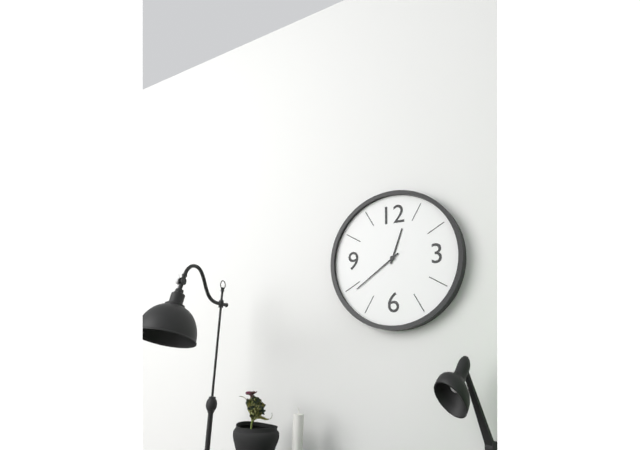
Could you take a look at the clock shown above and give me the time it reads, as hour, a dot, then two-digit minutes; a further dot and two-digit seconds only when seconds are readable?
12.39
